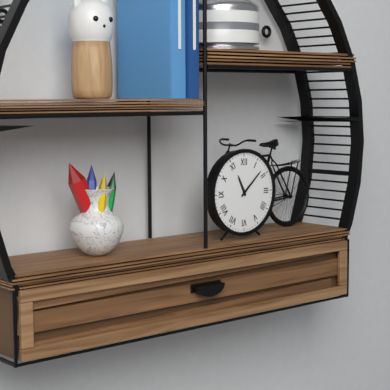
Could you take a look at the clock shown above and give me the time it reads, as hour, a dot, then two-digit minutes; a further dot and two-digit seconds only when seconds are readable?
11.08
